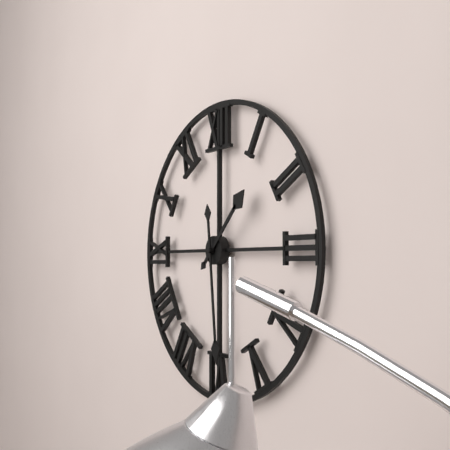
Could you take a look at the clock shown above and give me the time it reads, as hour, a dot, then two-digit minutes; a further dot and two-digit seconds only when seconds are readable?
1.29
